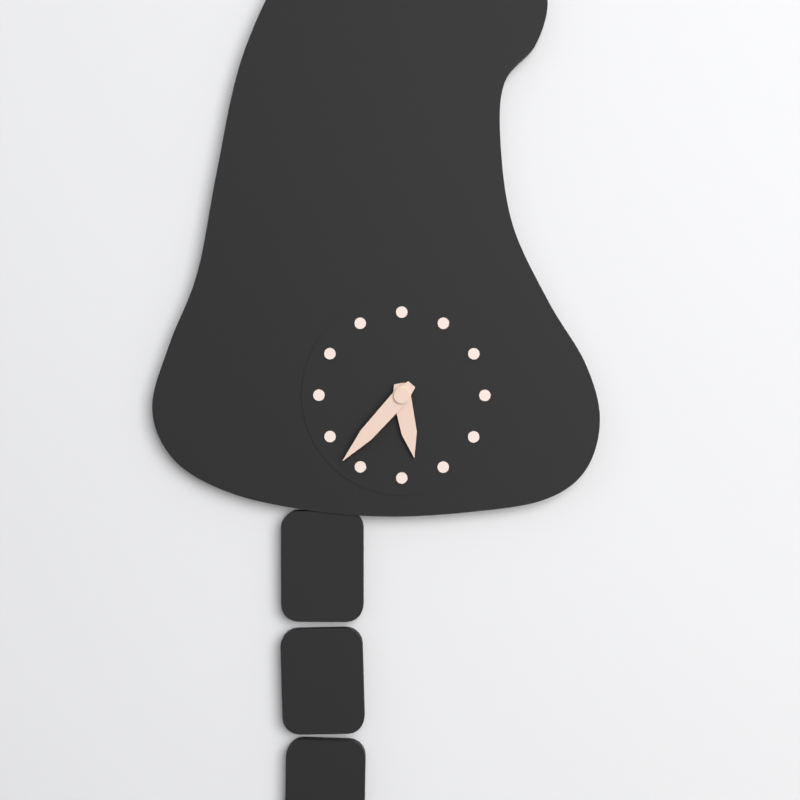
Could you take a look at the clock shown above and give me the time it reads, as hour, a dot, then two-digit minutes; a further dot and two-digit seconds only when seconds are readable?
5.37
